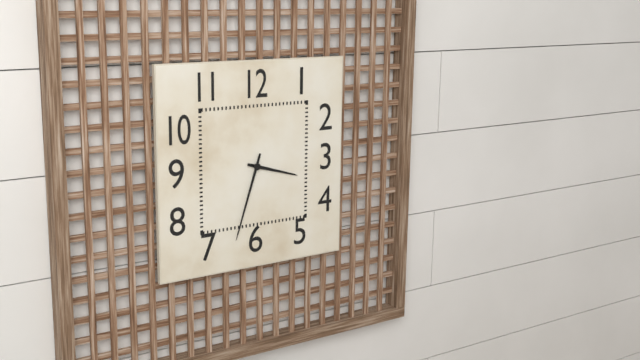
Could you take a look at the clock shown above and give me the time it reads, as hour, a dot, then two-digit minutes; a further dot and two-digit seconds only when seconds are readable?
3.33
